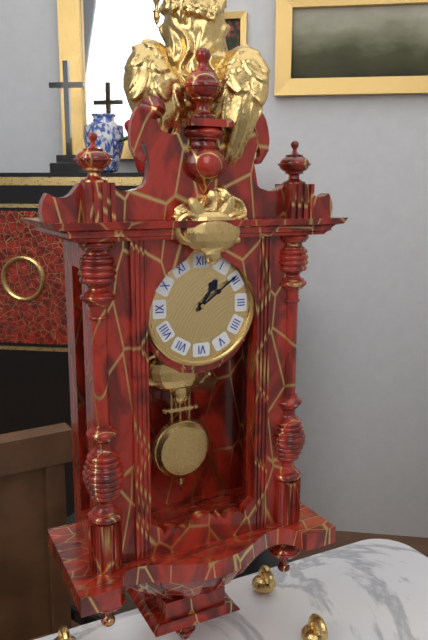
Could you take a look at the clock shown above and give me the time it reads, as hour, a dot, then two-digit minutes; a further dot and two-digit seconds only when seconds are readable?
1.09
